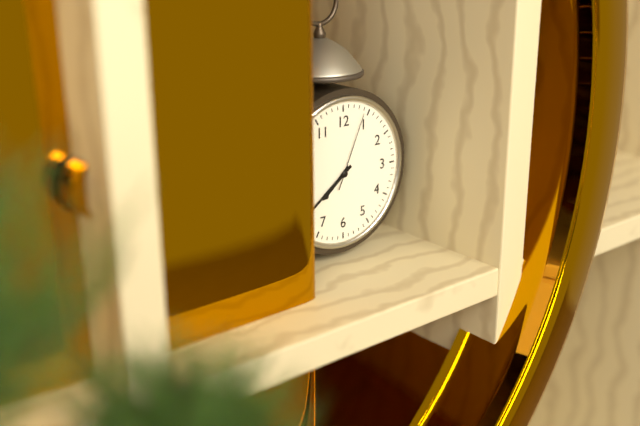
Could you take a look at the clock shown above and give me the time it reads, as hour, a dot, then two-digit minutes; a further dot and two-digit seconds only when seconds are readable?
7.39.04
